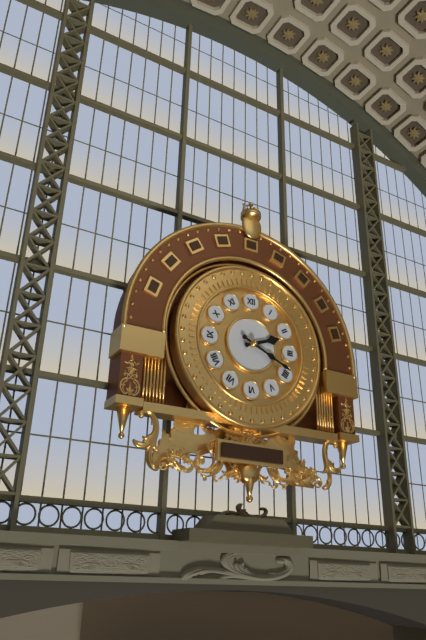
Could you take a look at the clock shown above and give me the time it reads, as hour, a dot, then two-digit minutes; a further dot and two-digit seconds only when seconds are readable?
2.19
